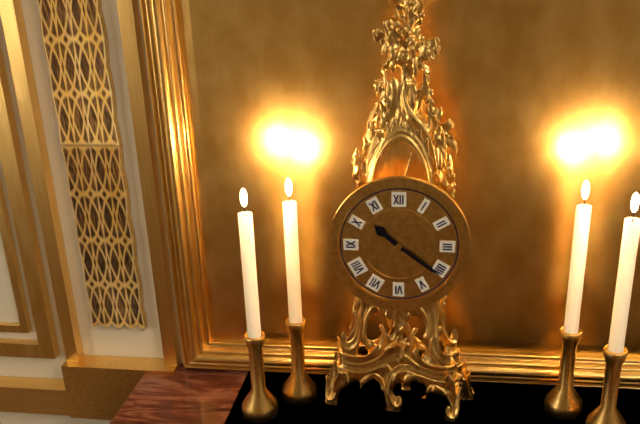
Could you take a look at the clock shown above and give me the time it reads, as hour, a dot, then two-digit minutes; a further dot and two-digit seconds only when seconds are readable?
10.21
